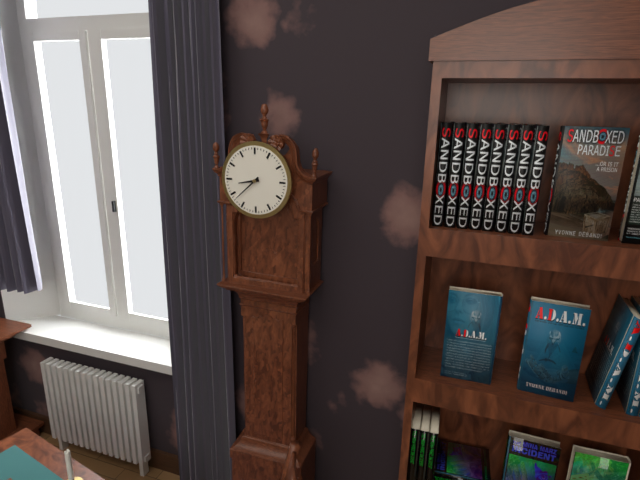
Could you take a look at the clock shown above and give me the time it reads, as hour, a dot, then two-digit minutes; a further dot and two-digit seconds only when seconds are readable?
8.38
